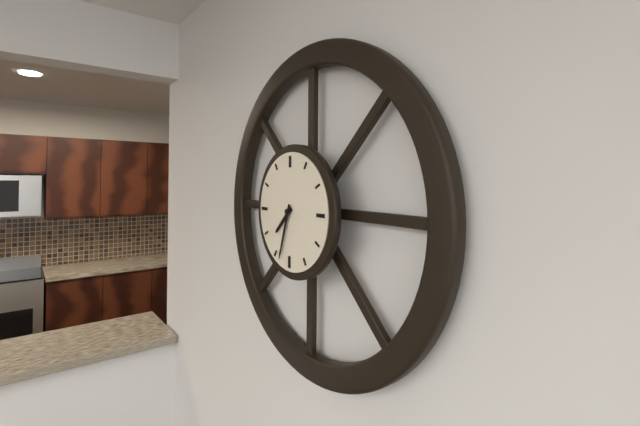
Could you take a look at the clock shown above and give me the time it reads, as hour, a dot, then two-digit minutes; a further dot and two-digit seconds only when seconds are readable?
7.33
